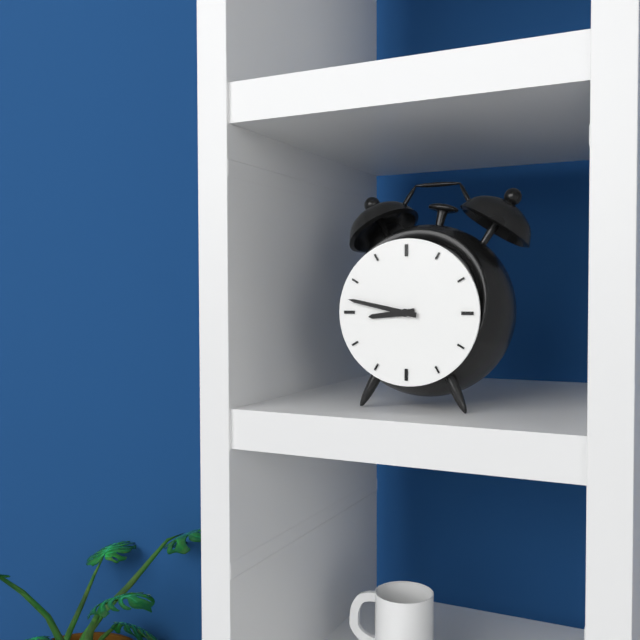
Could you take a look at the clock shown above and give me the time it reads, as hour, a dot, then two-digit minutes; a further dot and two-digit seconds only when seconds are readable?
8.47
